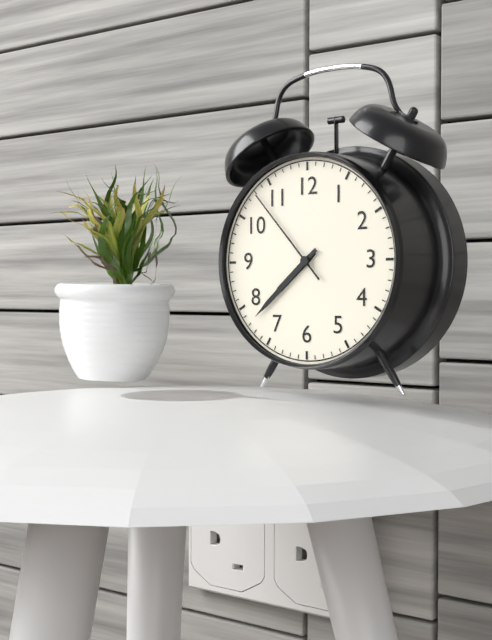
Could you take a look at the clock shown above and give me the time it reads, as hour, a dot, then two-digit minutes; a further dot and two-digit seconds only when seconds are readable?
7.38.53
